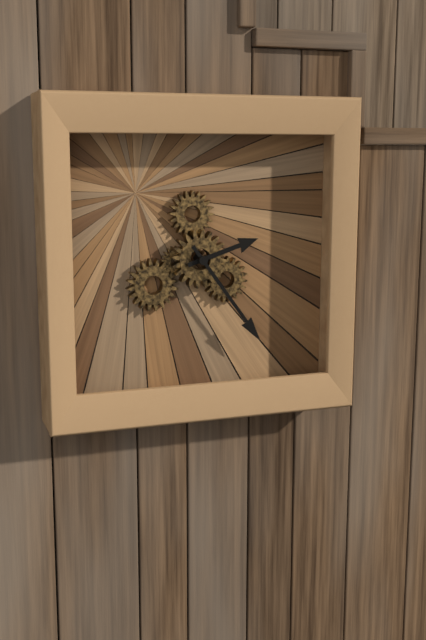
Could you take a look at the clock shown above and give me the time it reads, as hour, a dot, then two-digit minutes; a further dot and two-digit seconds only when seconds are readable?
2.24
